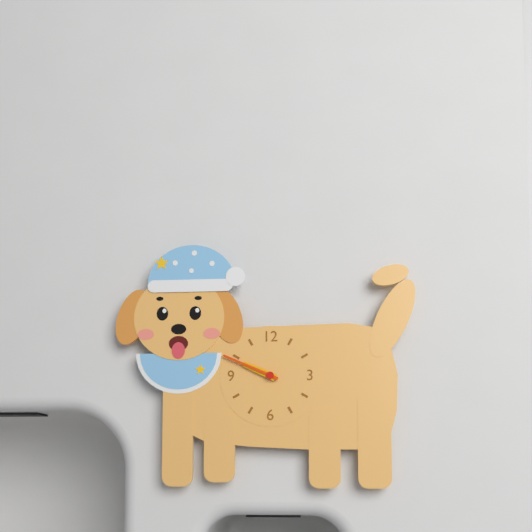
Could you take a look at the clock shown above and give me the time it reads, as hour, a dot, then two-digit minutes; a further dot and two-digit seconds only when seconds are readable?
9.49
